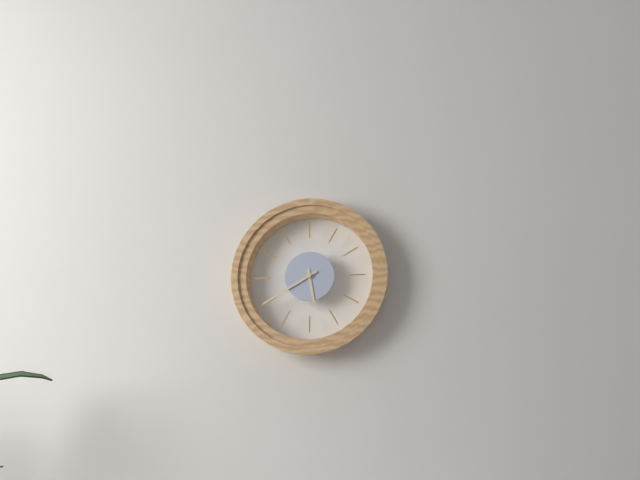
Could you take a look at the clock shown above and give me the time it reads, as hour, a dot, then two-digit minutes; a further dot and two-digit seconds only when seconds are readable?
5.40
